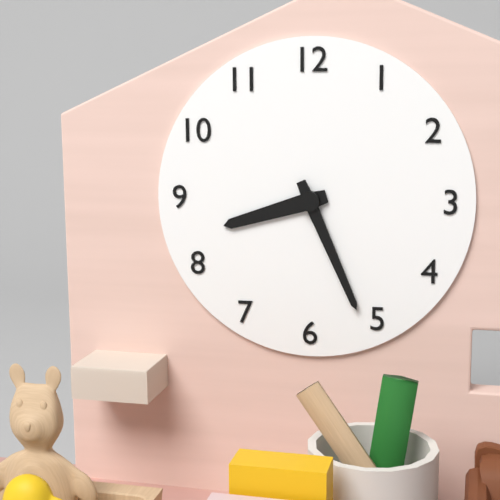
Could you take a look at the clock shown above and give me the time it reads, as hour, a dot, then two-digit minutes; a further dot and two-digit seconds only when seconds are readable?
8.26
